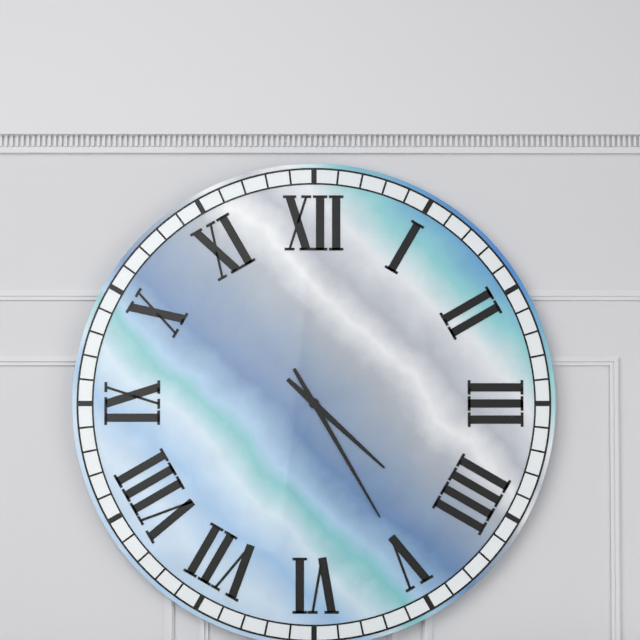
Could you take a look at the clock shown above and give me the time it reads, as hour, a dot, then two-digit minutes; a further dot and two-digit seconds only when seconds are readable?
4.25
